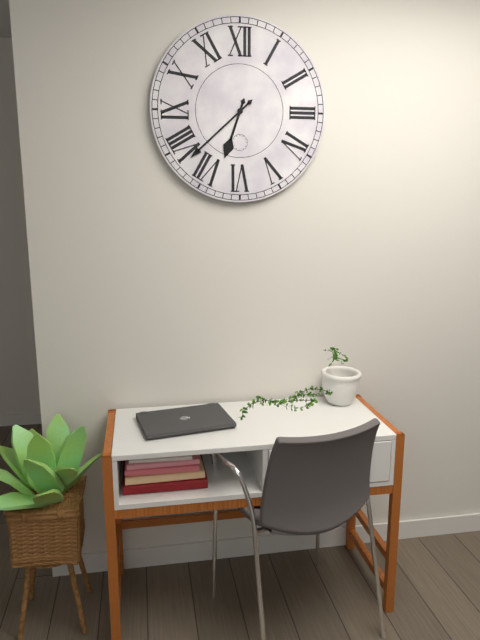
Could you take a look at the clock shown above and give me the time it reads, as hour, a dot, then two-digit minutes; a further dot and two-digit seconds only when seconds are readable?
6.38
